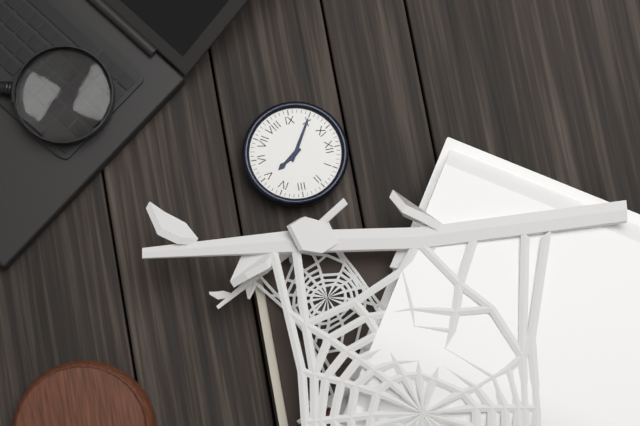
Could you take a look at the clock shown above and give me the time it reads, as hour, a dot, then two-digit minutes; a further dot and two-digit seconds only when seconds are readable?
4.50
